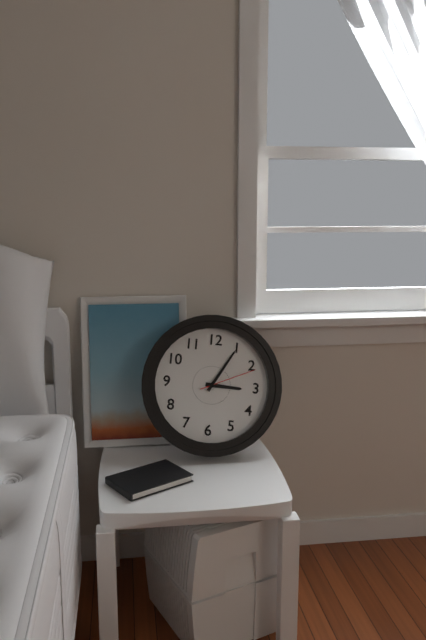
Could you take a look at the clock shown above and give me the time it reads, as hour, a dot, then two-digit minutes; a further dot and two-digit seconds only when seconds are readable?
3.05.11
